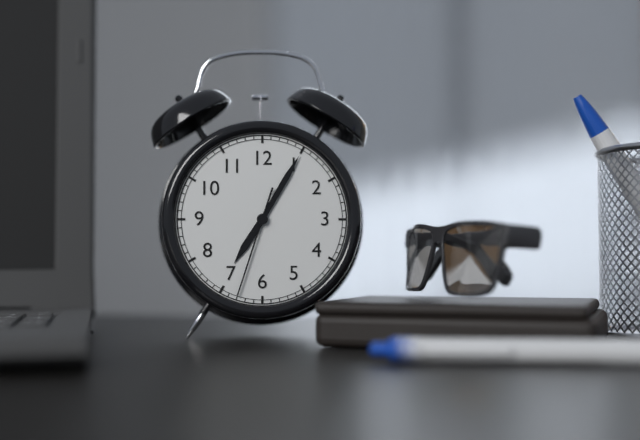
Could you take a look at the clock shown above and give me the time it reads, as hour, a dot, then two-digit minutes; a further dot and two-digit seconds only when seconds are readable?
7.05.33
